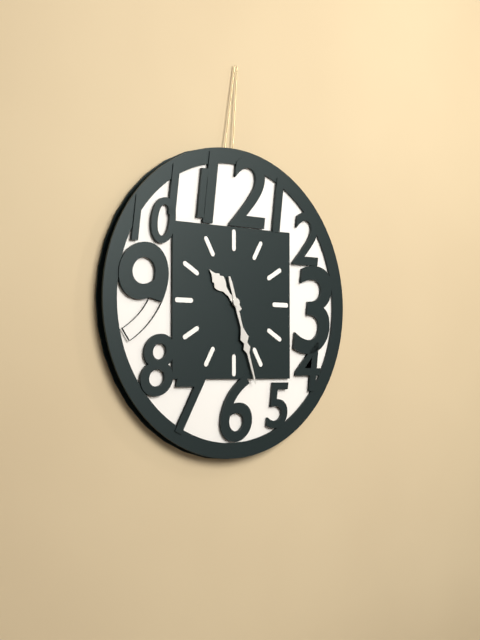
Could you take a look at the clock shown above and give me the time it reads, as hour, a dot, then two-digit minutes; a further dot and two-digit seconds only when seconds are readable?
10.27
